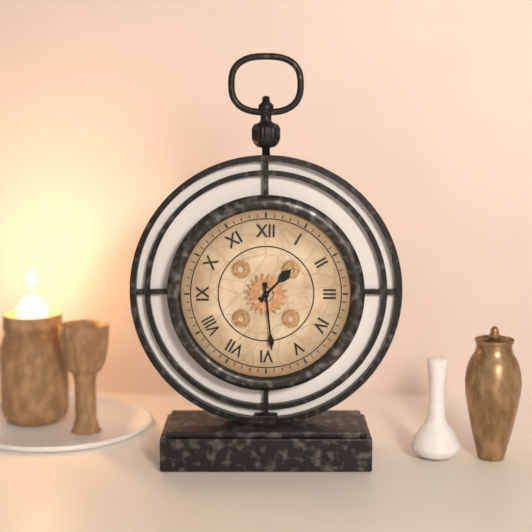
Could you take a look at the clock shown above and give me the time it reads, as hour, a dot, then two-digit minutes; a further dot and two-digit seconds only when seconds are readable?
1.29
